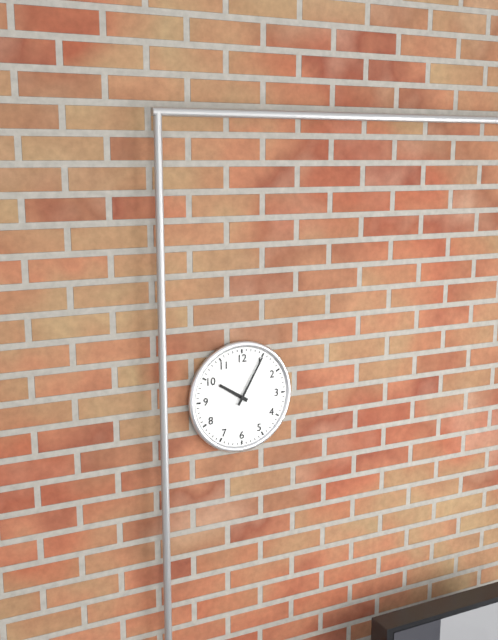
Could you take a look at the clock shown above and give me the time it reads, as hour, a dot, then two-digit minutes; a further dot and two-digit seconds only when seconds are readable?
10.05
